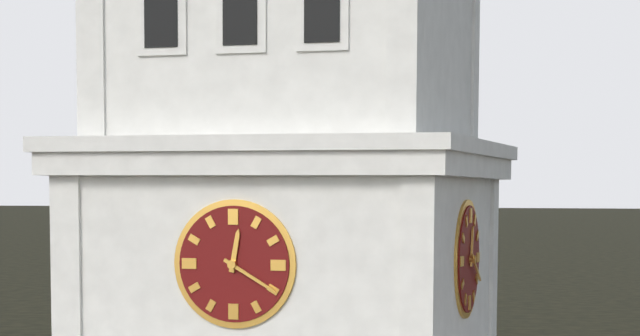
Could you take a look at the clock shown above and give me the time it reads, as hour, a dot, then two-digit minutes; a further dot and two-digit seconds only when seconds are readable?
12.20
